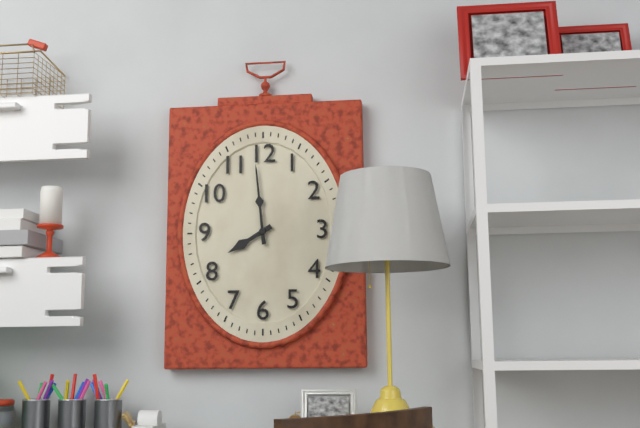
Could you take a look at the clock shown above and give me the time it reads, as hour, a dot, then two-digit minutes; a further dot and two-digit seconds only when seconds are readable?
7.59
